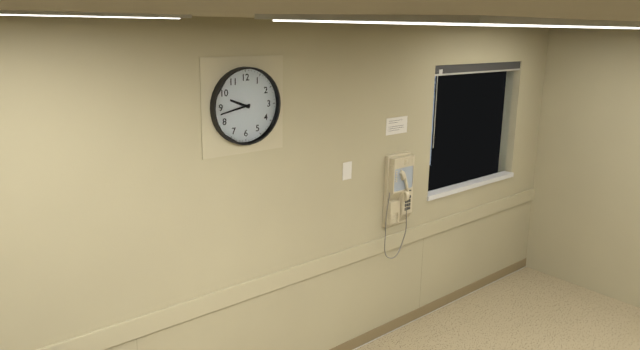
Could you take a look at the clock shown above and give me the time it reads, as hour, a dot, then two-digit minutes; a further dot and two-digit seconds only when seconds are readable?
9.43
